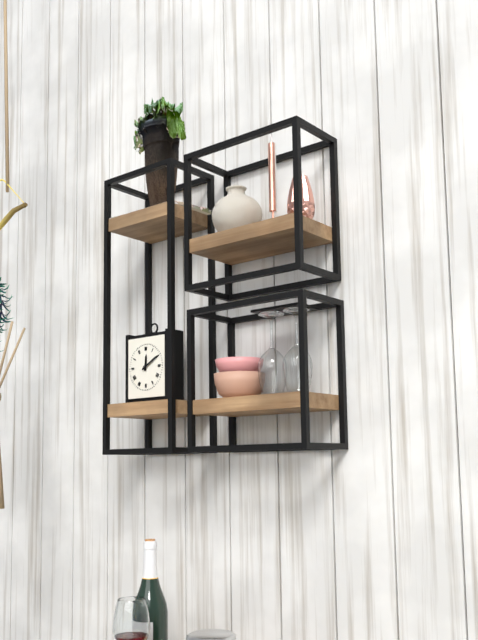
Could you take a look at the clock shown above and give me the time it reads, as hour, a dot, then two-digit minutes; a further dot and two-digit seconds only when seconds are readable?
12.10
